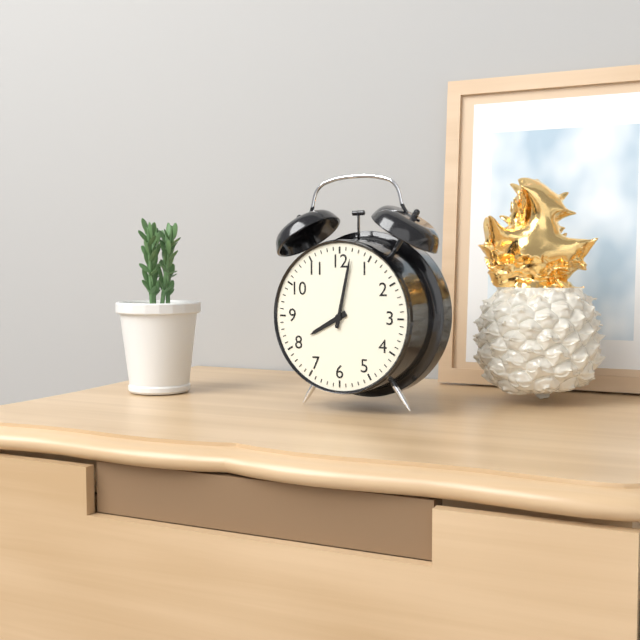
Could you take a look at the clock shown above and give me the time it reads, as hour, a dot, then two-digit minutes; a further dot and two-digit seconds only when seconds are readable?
8.02
